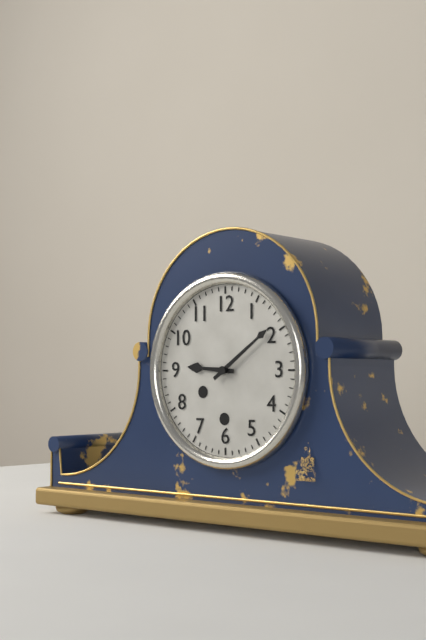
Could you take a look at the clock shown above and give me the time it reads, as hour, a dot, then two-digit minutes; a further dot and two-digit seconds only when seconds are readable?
9.09
